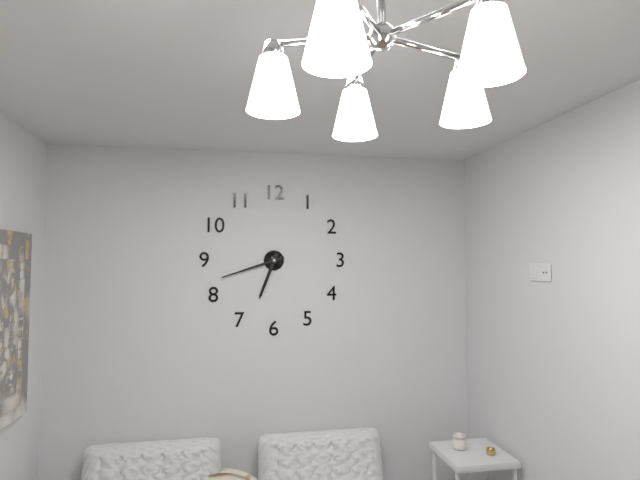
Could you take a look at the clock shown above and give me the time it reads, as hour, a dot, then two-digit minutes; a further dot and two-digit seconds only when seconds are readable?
6.42
